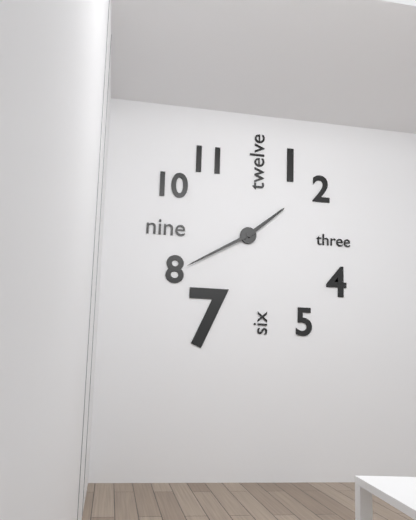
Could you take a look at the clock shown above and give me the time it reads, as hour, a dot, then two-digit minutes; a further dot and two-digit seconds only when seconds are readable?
1.40
